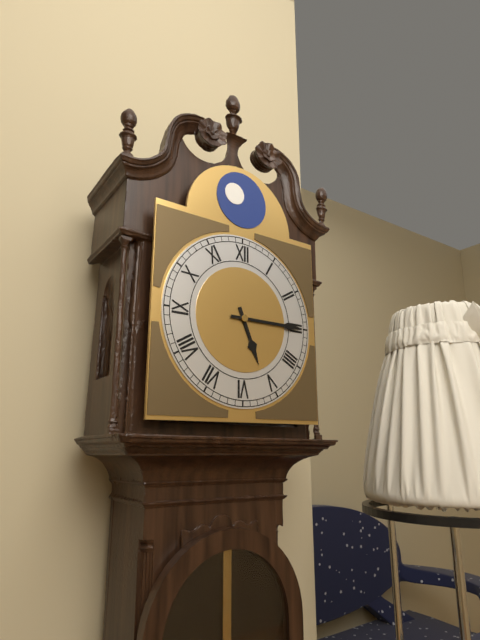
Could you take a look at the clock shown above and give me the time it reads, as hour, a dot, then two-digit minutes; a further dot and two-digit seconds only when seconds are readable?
5.15
